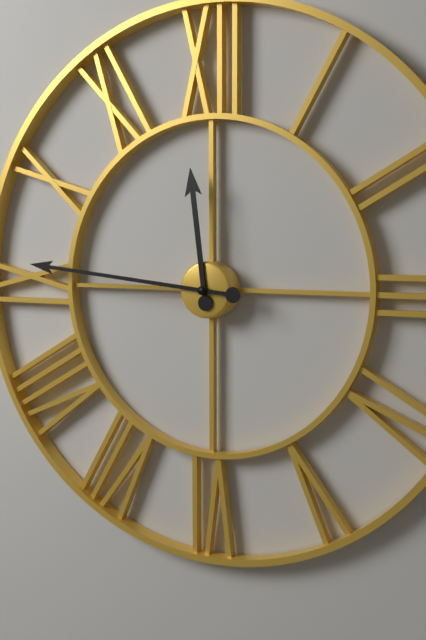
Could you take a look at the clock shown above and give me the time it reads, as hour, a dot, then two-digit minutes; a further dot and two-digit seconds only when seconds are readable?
11.46
